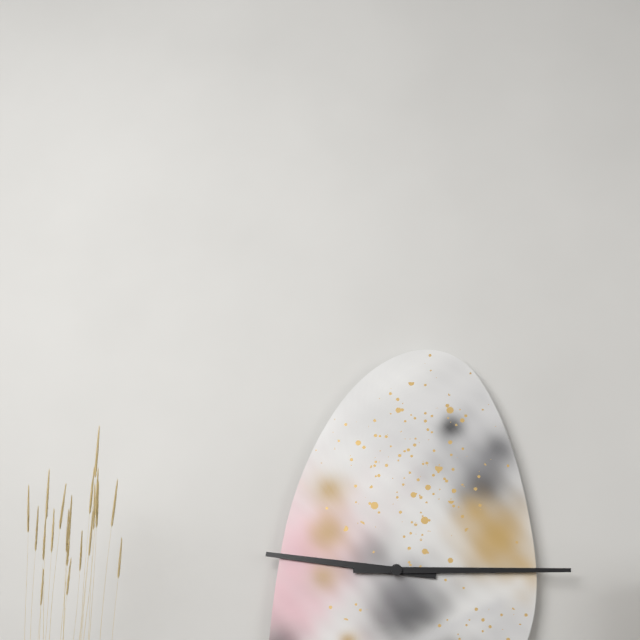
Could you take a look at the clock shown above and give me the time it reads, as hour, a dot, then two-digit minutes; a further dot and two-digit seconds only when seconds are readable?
9.15
